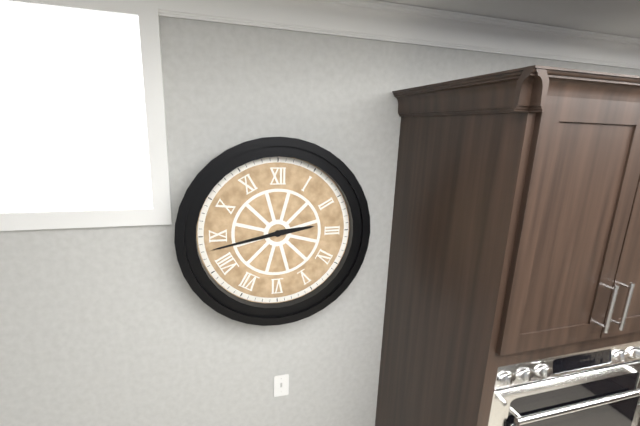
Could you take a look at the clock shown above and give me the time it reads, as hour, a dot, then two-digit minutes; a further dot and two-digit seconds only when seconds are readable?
2.43
